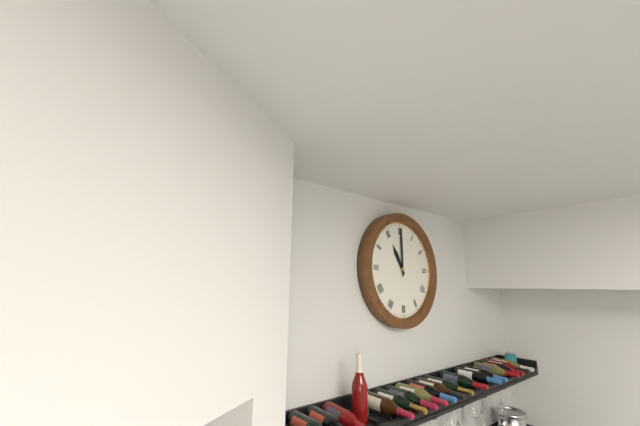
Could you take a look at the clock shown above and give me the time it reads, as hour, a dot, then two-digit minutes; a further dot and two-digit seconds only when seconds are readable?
11.00
